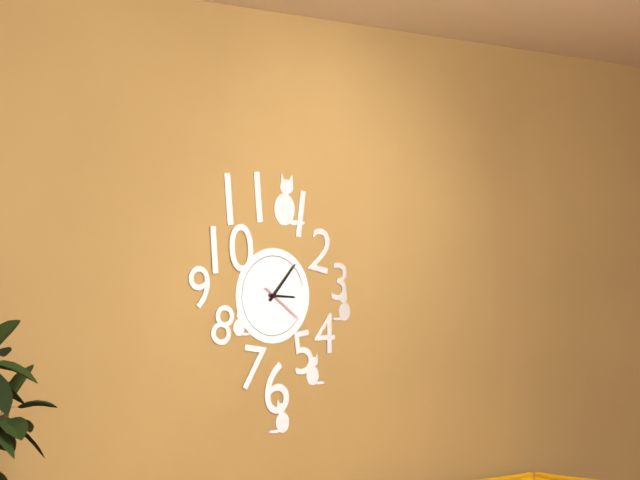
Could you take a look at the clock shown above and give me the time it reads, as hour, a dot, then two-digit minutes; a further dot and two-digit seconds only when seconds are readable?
3.07
